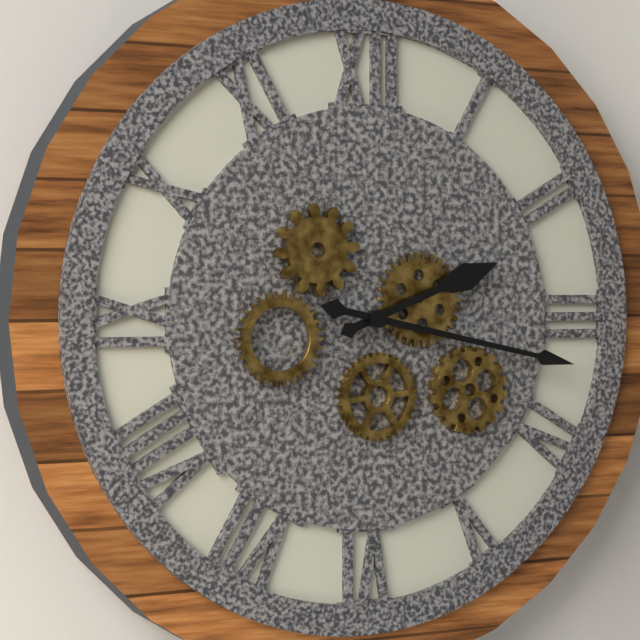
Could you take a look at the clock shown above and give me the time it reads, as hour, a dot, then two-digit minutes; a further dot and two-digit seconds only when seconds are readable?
2.17
